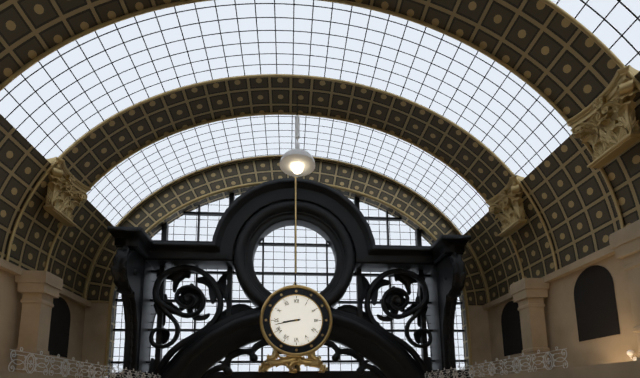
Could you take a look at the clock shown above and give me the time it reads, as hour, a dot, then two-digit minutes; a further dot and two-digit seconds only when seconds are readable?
8.43
